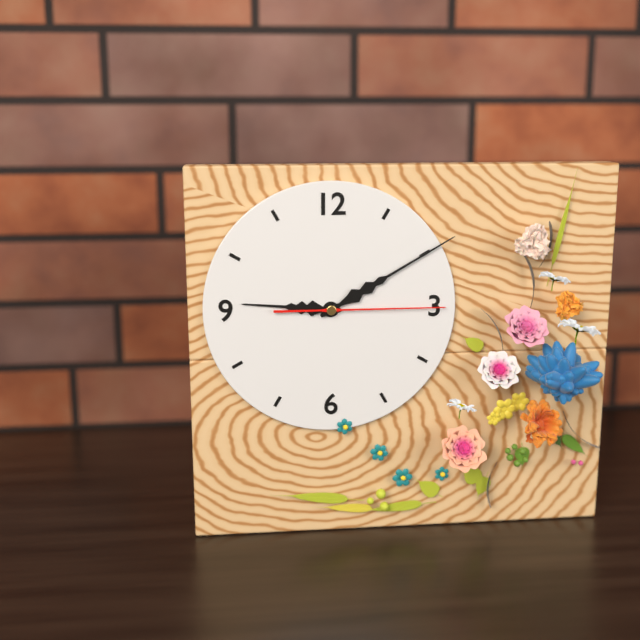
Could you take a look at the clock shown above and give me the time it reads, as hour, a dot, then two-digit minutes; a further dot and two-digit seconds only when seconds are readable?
9.10.15
